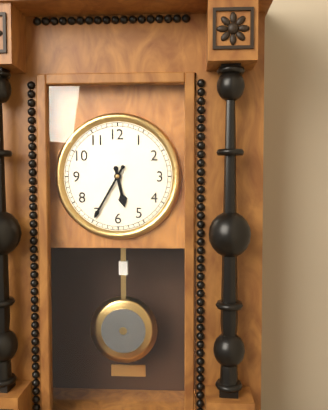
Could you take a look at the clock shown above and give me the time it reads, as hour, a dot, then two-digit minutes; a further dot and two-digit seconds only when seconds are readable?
5.35
